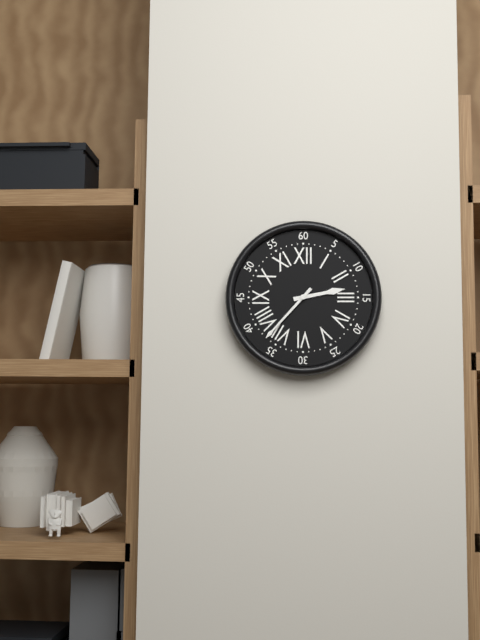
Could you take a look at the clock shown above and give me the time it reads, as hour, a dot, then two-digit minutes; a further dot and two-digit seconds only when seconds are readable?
2.37
